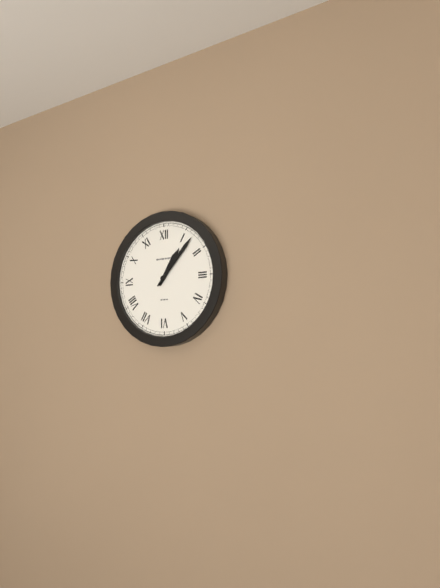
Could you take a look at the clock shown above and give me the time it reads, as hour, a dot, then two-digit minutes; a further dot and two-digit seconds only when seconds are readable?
1.07
